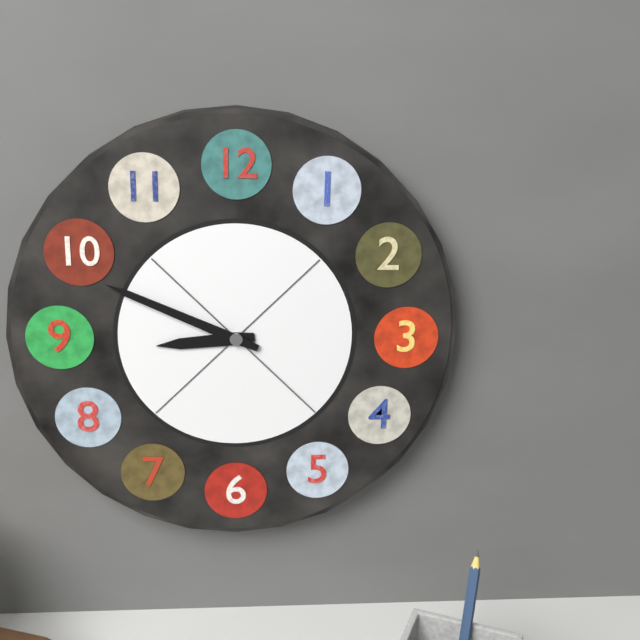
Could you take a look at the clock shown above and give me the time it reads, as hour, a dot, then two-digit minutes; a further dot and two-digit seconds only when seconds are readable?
8.49
